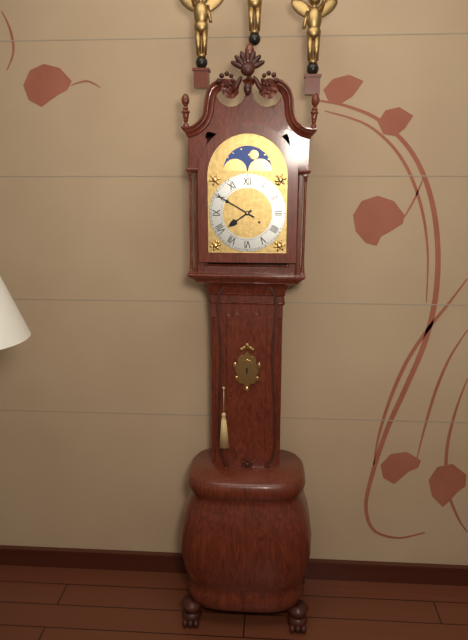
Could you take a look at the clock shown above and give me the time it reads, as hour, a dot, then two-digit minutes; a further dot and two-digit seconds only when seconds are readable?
7.50
